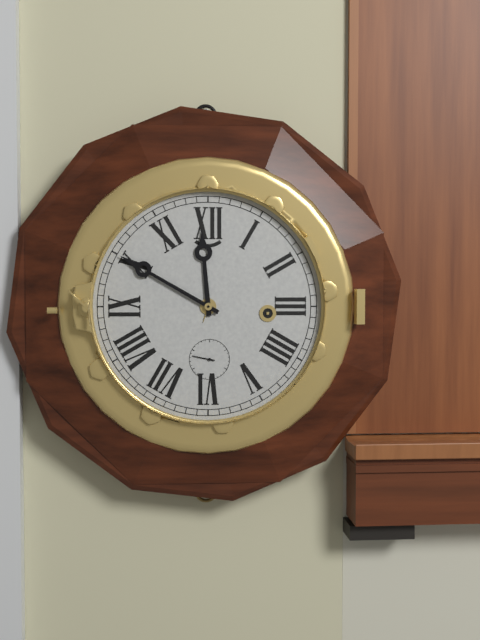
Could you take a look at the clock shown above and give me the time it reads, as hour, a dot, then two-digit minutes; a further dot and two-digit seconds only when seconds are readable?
11.50
